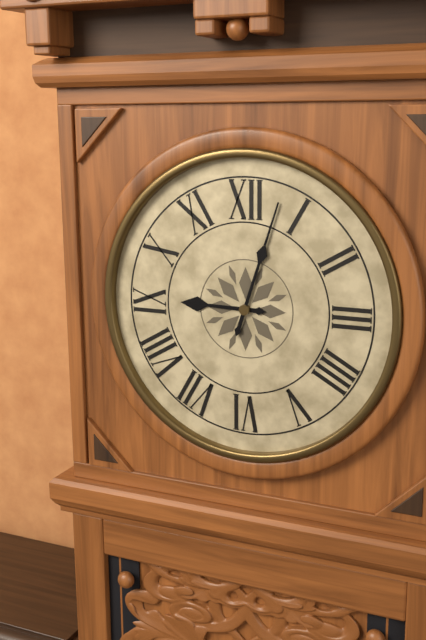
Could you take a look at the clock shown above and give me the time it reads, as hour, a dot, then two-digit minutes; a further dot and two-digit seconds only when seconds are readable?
9.03
